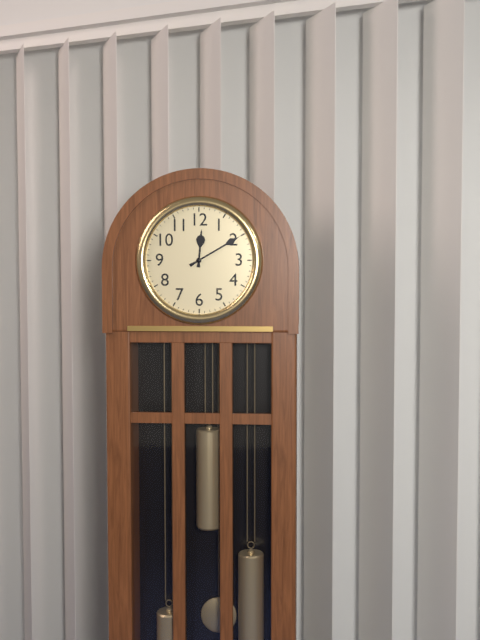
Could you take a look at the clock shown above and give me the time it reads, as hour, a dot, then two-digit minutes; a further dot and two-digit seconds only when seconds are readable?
12.10
